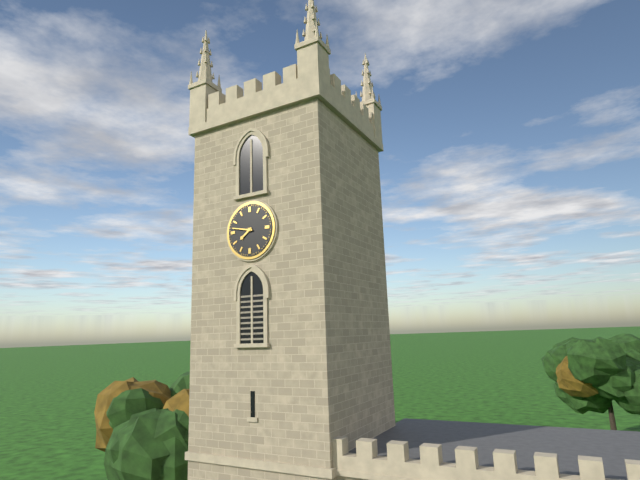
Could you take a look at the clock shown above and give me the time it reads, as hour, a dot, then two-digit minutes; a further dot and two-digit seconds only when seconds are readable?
7.47
